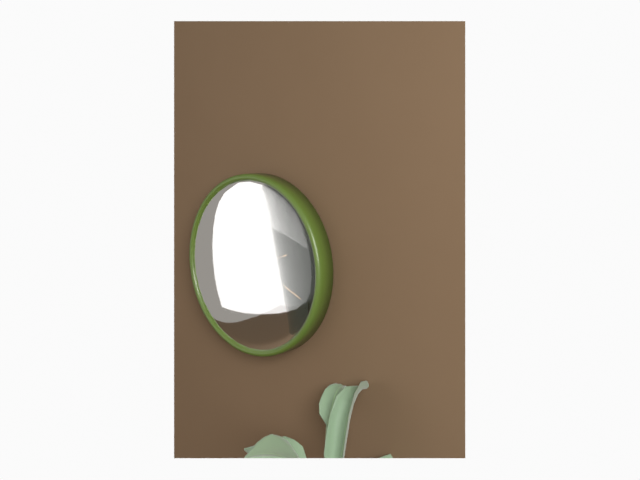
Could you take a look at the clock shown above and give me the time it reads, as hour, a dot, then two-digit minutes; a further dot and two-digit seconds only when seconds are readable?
2.19
